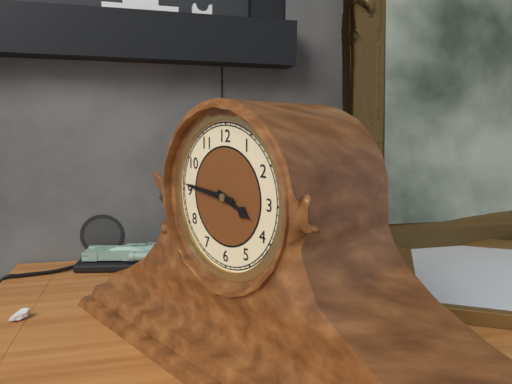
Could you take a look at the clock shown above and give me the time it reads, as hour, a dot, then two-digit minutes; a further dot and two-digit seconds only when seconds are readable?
3.46
